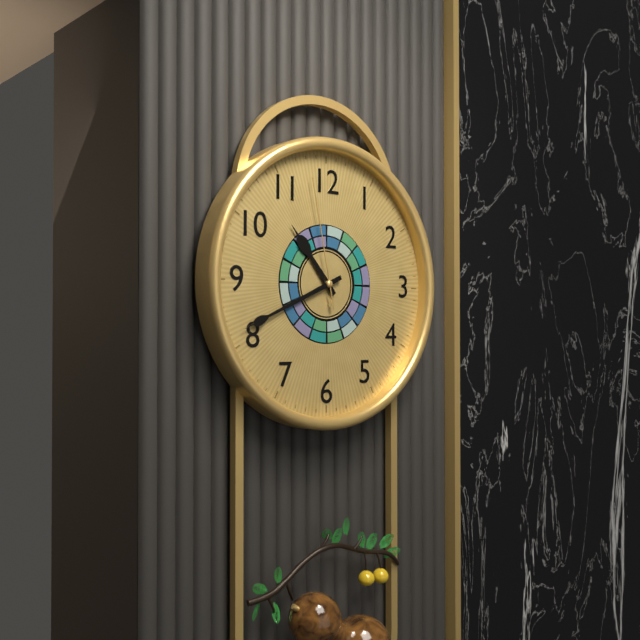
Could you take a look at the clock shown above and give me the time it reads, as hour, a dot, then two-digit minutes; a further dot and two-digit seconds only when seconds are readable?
10.41.58
